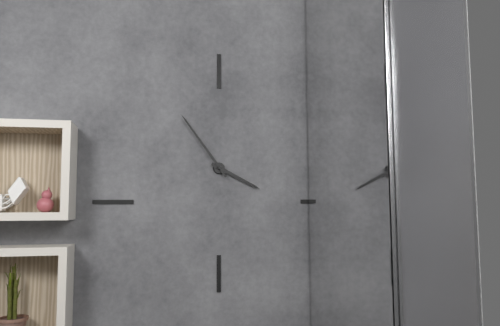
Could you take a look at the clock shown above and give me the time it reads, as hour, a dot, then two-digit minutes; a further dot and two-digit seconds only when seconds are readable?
3.54
